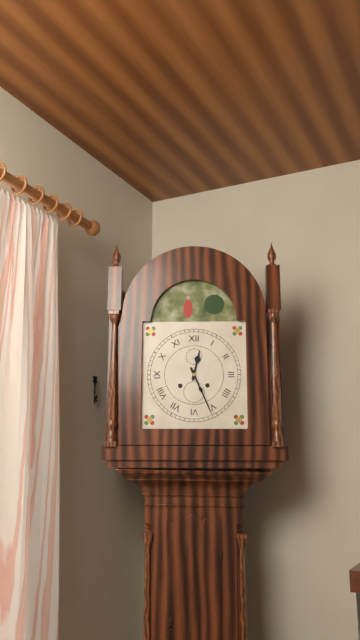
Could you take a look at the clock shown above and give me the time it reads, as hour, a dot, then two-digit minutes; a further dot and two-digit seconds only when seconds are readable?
12.26
